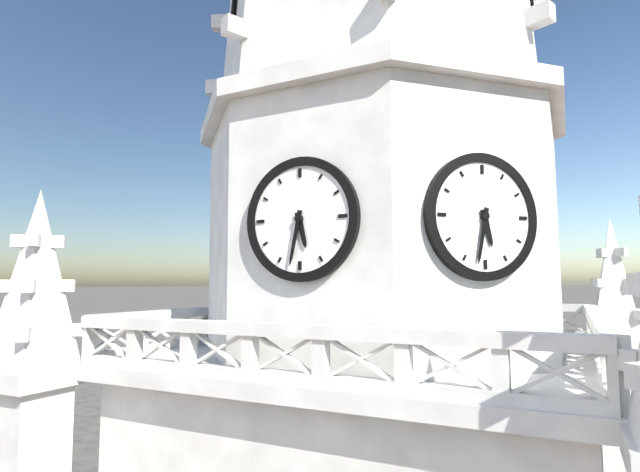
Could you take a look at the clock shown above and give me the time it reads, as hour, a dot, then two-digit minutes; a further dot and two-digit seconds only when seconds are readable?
5.32
